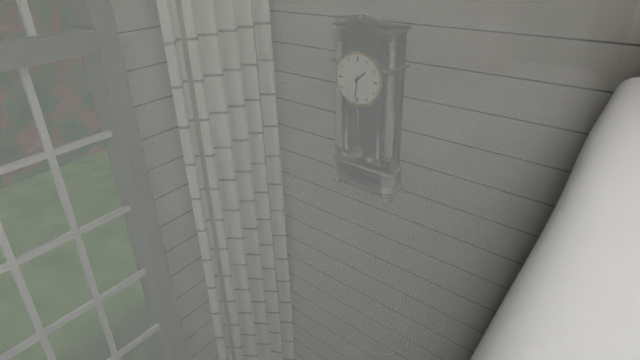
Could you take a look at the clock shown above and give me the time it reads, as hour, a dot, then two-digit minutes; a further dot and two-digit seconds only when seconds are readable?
1.31
